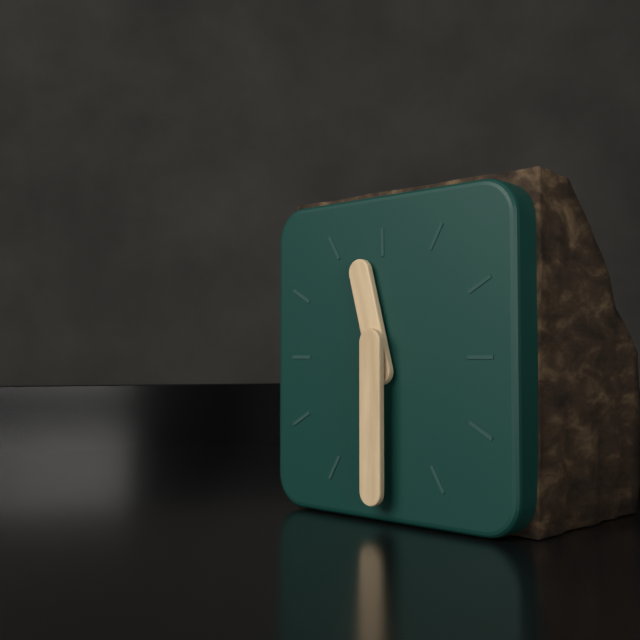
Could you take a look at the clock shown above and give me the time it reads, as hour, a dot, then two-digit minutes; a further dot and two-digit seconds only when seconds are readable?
11.30
